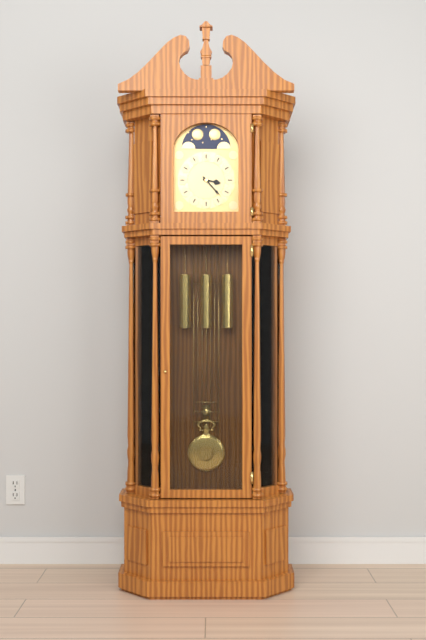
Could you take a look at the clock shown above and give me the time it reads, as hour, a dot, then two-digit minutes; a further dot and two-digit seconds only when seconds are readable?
3.23
